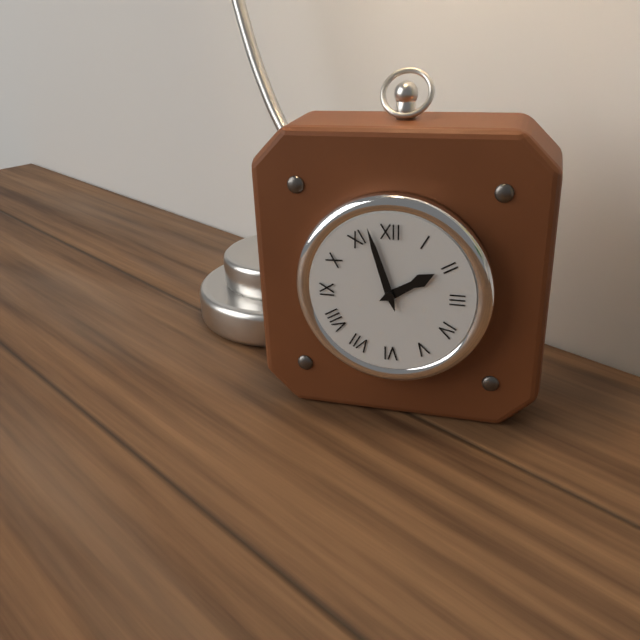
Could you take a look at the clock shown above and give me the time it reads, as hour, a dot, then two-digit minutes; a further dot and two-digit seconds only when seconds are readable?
1.57
